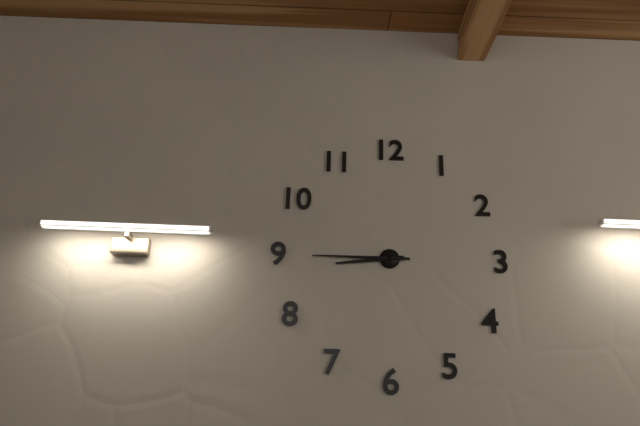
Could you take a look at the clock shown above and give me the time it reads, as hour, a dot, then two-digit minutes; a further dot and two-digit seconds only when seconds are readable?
8.45
